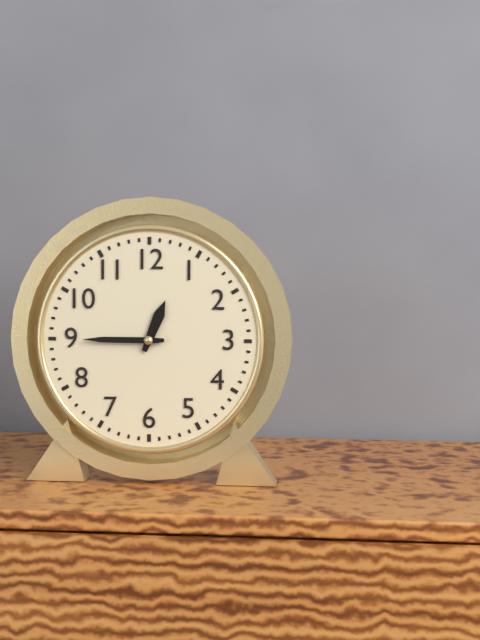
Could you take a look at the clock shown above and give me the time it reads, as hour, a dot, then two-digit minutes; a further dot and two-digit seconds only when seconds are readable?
12.45
